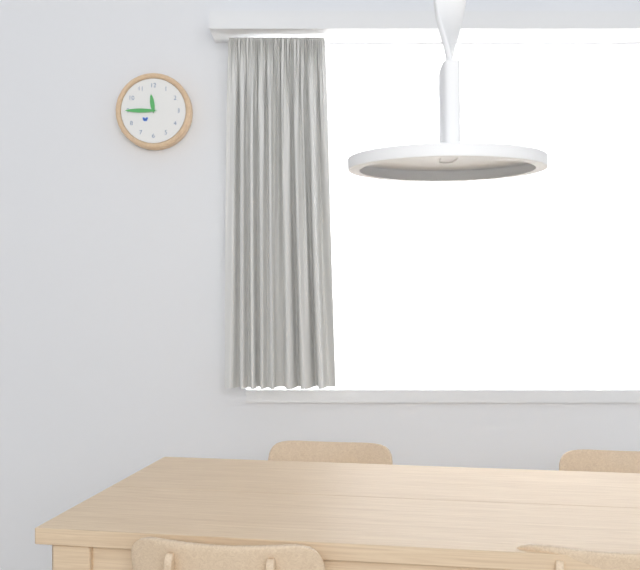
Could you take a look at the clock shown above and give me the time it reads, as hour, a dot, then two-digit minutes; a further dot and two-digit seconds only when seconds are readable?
11.45
